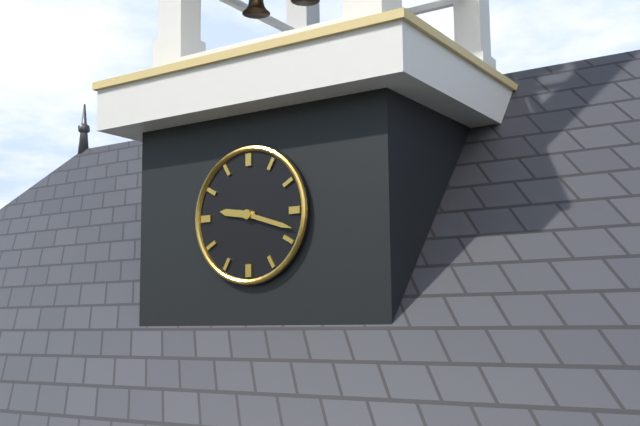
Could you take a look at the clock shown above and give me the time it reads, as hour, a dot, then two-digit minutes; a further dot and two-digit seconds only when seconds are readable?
9.18
